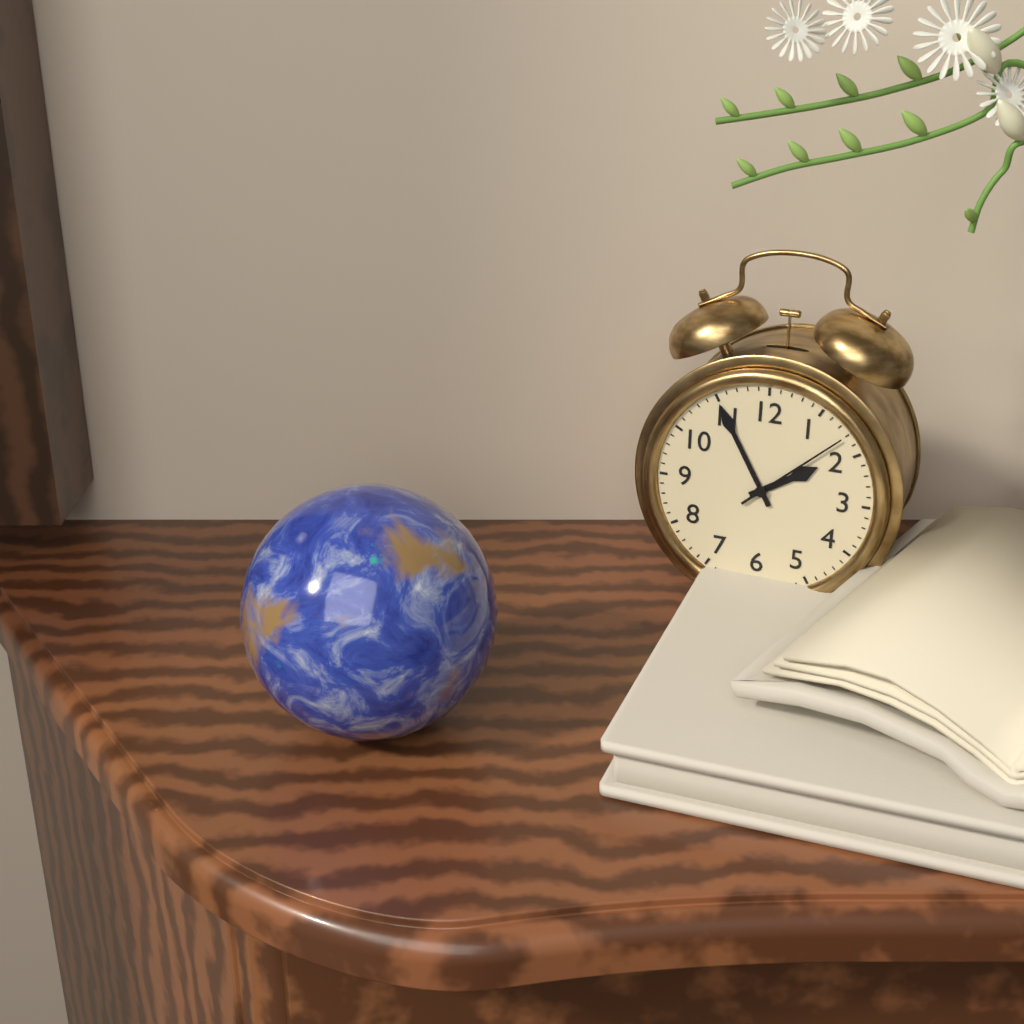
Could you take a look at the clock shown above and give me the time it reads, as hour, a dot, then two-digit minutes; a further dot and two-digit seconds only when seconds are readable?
1.55.08
